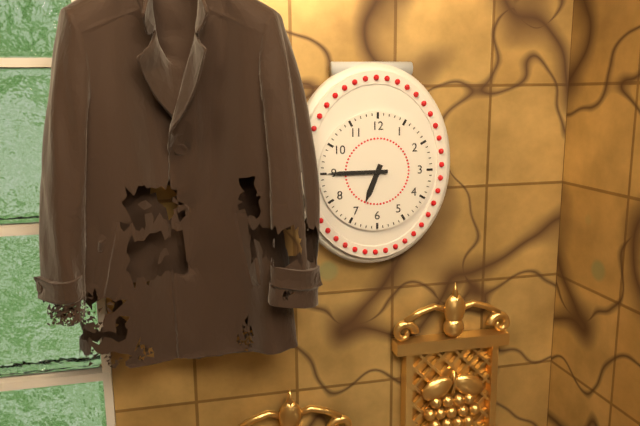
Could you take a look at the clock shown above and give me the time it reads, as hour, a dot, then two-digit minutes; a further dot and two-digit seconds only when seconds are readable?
6.45
